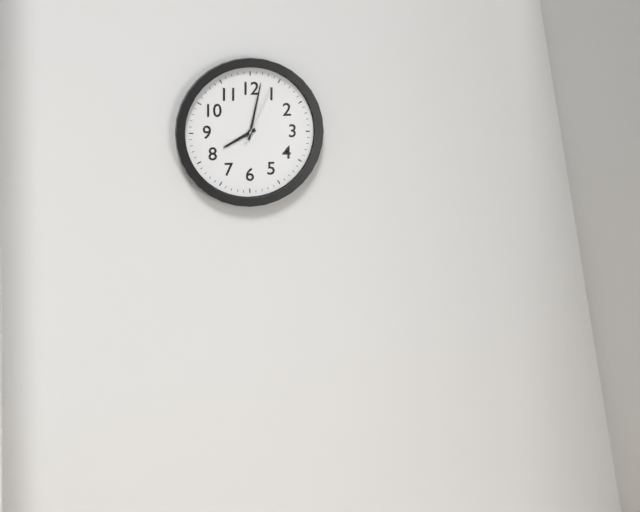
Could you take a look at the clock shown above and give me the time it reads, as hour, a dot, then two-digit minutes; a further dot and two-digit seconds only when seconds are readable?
8.02.04
